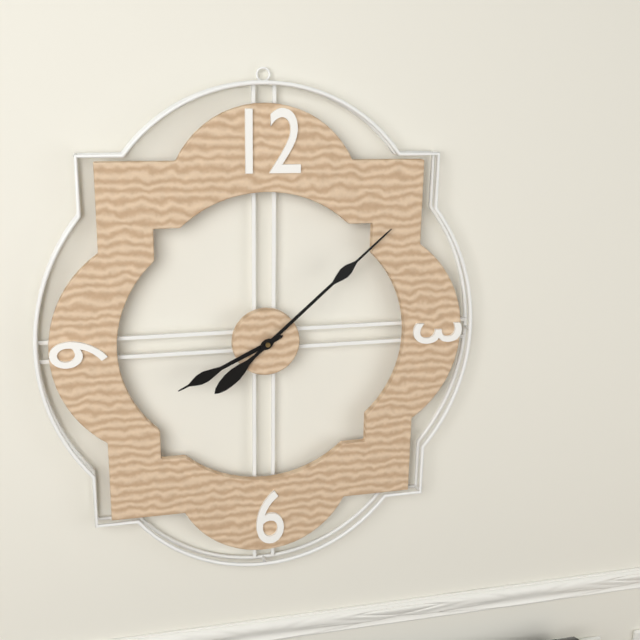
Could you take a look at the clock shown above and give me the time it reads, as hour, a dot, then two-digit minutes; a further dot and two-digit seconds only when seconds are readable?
8.08
